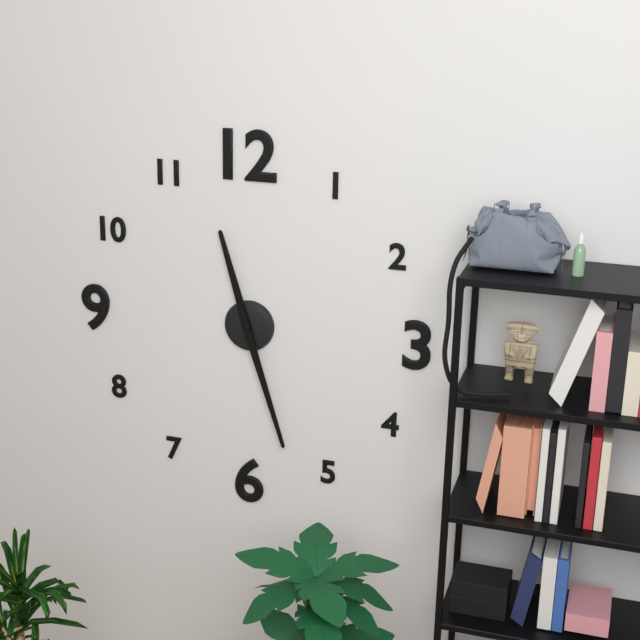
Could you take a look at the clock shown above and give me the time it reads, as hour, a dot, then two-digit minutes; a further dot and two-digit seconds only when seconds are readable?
11.27
